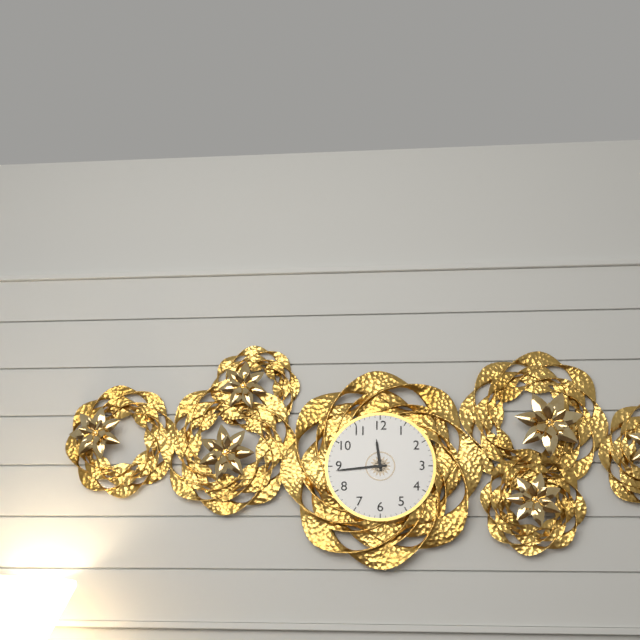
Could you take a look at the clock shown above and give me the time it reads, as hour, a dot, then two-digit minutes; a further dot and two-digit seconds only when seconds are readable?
11.44
